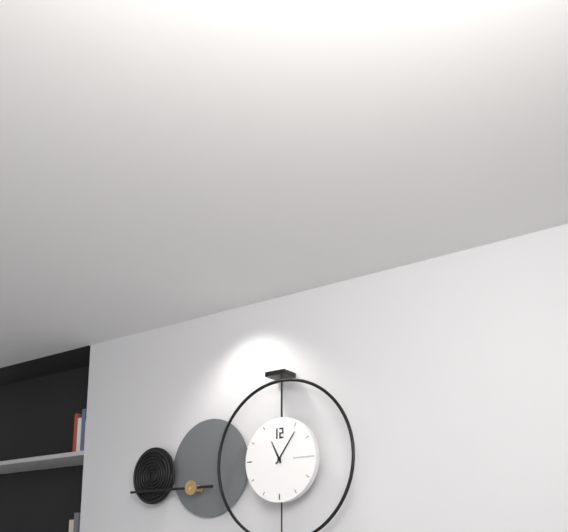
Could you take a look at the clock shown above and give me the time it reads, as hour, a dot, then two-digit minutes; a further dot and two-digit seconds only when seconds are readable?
11.06
